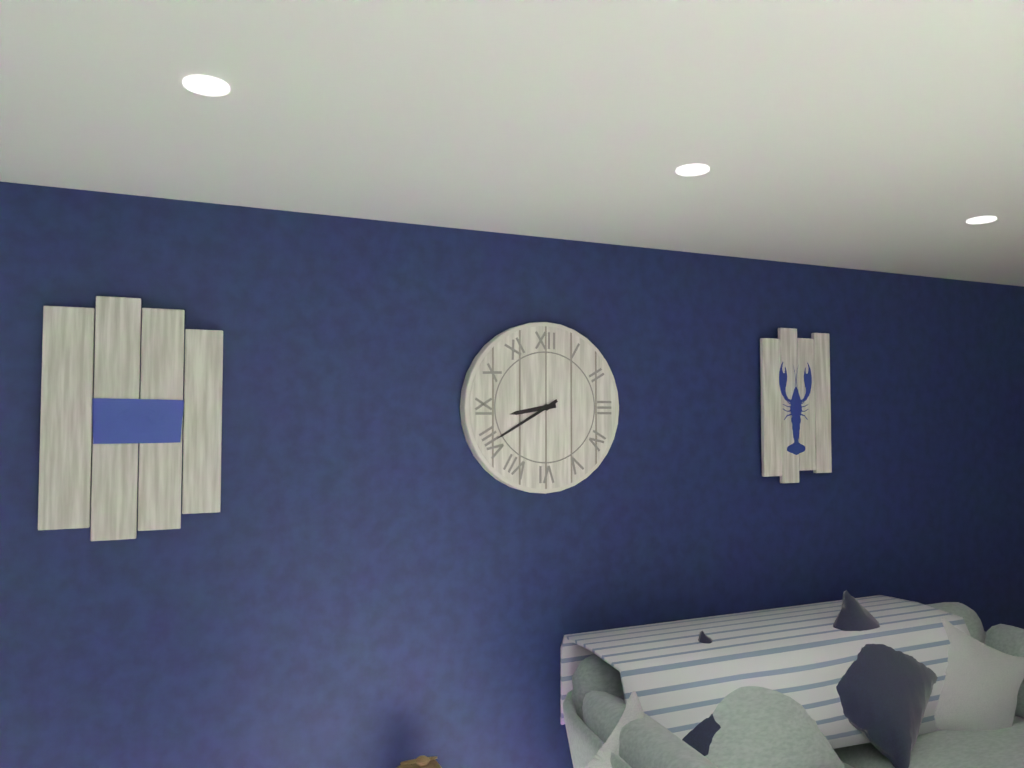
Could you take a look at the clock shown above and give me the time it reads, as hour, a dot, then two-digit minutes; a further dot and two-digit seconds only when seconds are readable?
8.40
